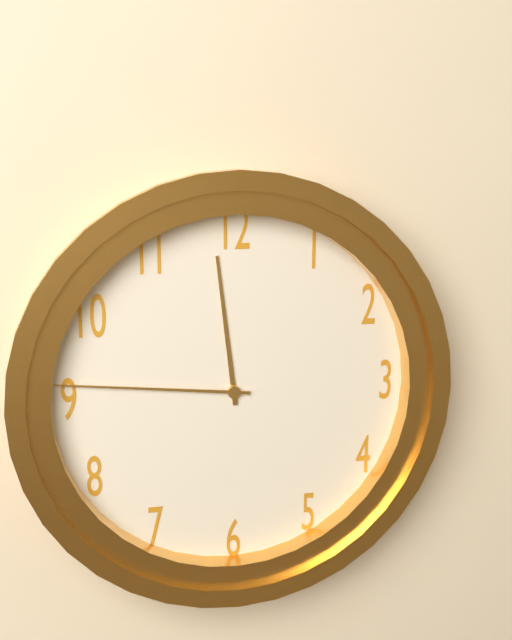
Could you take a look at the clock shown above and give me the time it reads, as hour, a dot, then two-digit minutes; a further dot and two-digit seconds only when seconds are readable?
11.46
